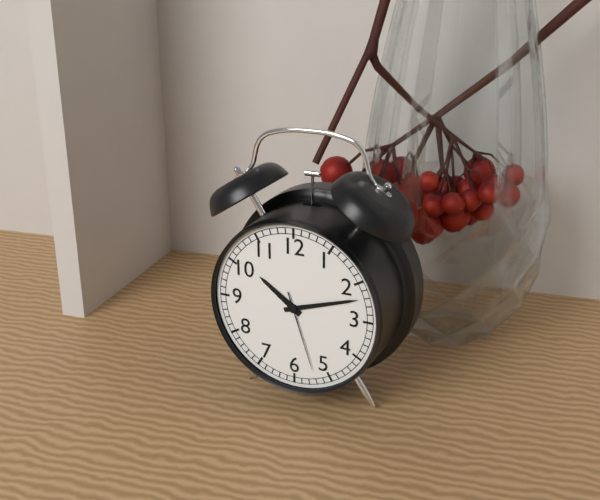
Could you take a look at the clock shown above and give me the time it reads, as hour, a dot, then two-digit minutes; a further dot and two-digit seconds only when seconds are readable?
10.12.27
